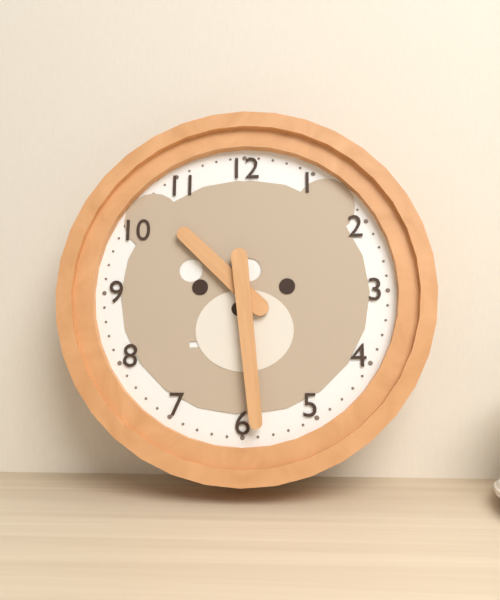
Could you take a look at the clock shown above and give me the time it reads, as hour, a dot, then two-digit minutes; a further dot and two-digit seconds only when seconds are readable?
10.29
